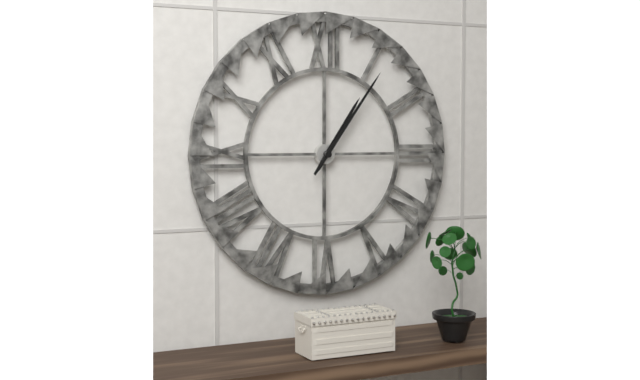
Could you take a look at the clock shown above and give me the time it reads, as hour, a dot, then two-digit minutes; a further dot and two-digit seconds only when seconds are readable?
1.06
